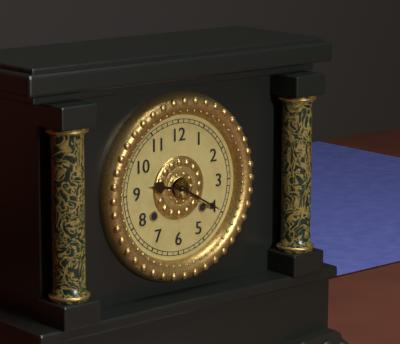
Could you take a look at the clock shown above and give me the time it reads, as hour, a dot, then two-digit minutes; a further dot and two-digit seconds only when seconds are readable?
9.20
